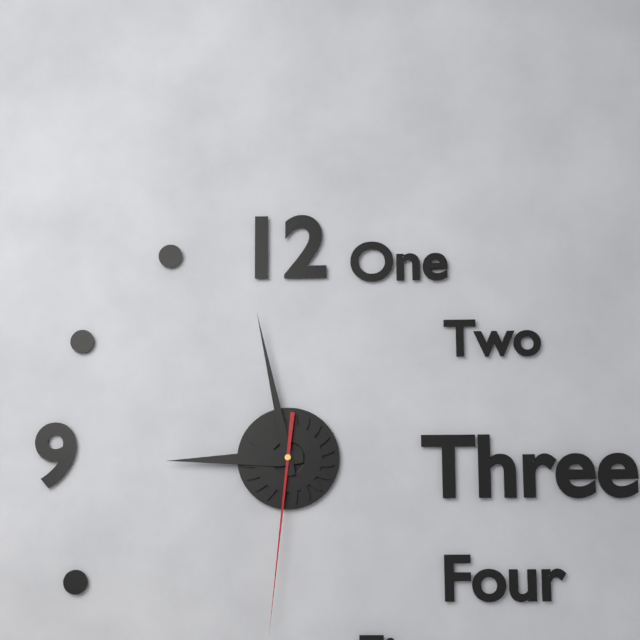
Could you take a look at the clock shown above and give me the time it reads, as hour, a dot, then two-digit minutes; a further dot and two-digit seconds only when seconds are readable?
8.58.31
